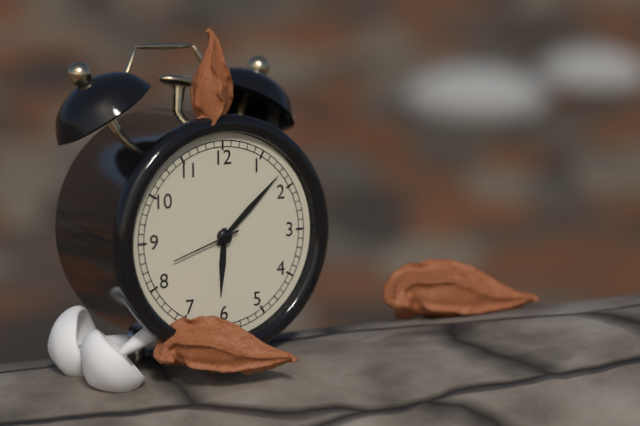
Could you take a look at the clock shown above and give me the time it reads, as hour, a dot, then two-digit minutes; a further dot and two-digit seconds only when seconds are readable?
6.08.42
